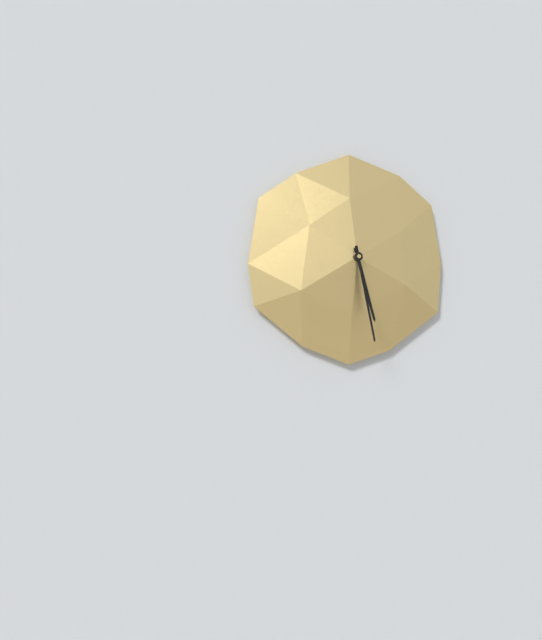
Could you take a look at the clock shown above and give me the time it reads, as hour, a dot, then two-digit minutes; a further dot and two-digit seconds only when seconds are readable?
5.28
